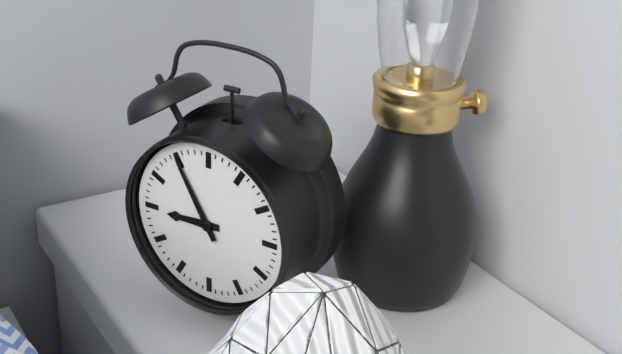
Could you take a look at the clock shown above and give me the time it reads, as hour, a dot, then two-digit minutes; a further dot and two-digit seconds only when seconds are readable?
8.55
